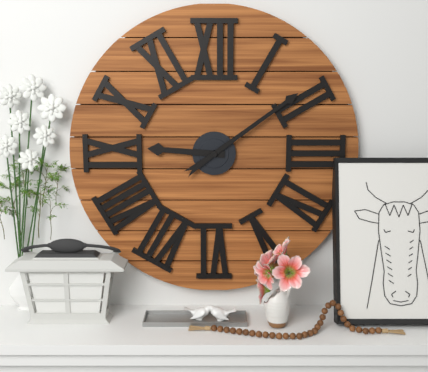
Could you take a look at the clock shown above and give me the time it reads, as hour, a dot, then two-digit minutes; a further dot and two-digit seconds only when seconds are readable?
9.09
